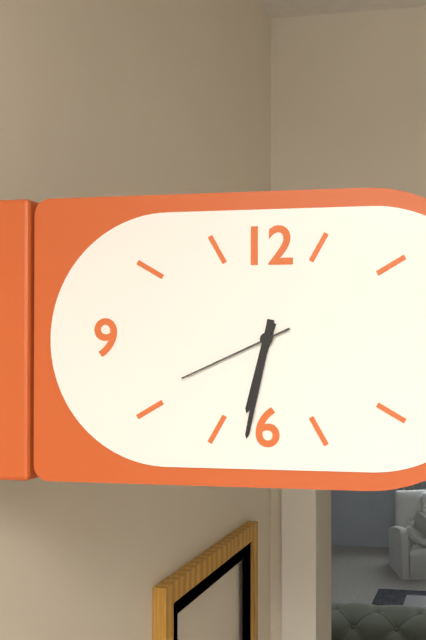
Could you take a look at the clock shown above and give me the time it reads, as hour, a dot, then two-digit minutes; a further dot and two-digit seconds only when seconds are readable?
6.32.41
